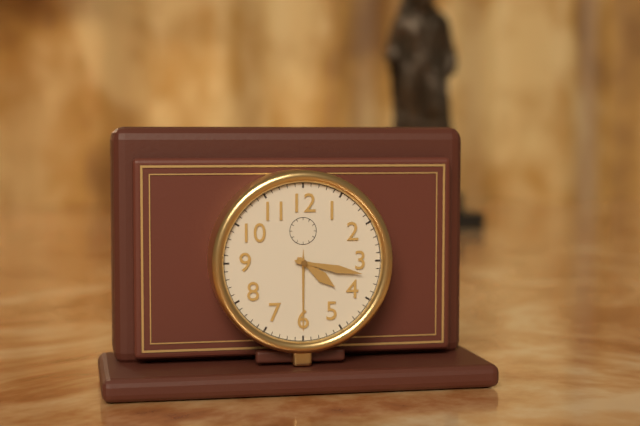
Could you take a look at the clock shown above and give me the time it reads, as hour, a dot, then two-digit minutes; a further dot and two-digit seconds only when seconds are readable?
4.17
